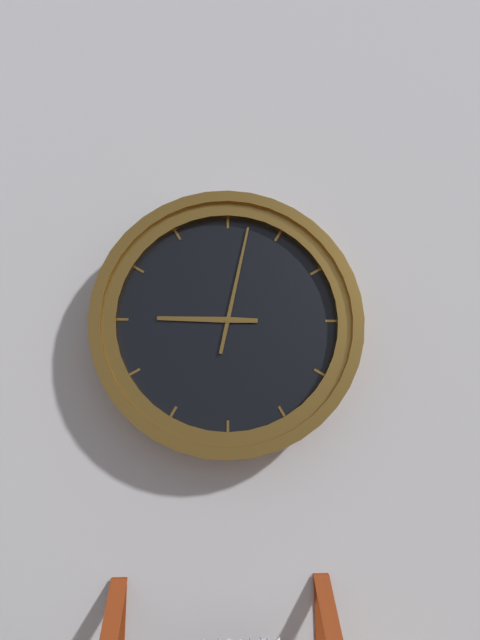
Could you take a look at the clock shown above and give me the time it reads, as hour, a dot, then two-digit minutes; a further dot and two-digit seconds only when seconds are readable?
9.02
